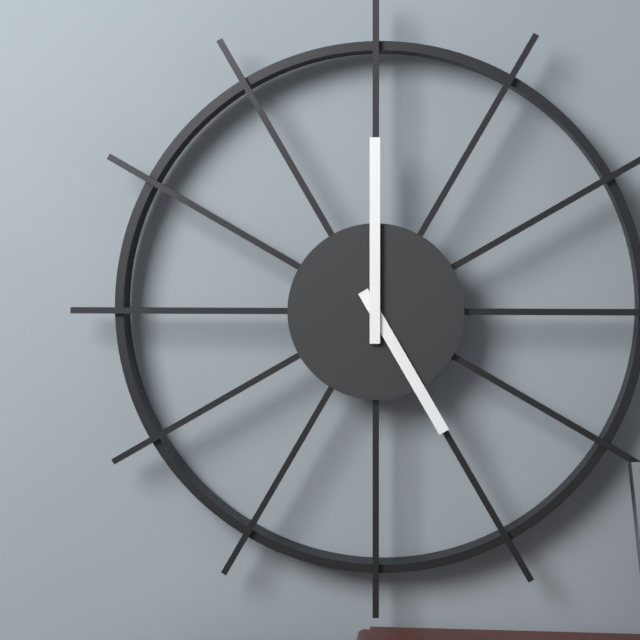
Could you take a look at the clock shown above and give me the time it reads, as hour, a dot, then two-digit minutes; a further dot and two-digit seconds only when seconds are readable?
5.00
